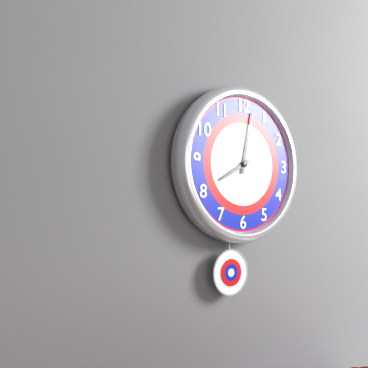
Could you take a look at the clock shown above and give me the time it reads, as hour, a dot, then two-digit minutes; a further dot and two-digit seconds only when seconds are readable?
8.02
